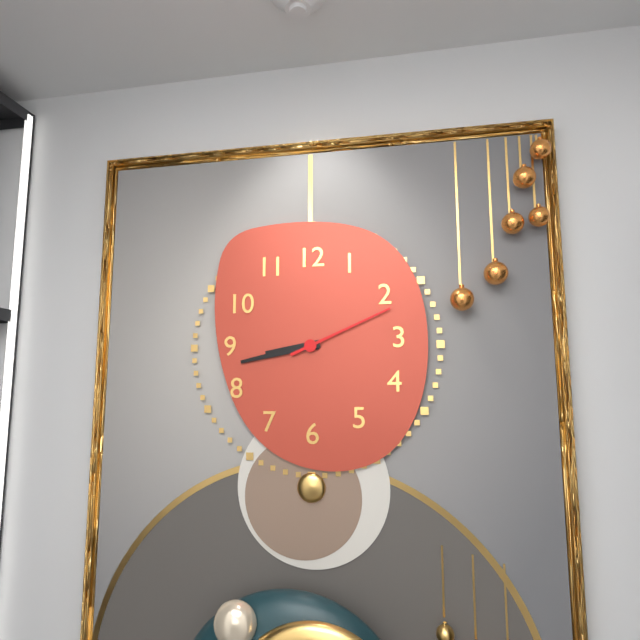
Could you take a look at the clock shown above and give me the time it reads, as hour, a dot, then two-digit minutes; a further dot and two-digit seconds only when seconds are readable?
8.43.11
